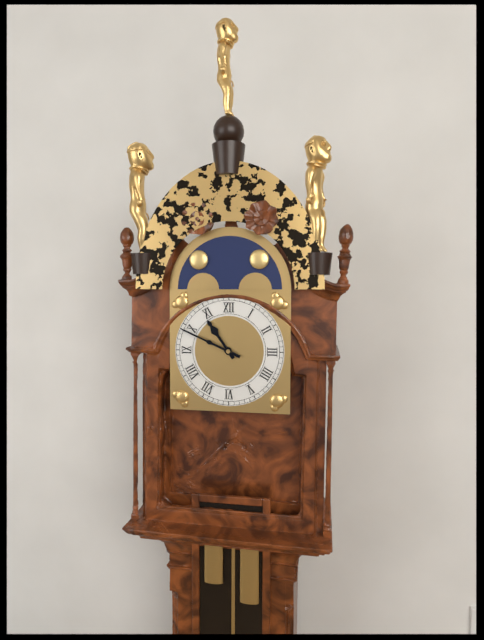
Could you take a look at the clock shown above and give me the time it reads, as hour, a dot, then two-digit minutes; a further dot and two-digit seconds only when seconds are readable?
10.49
